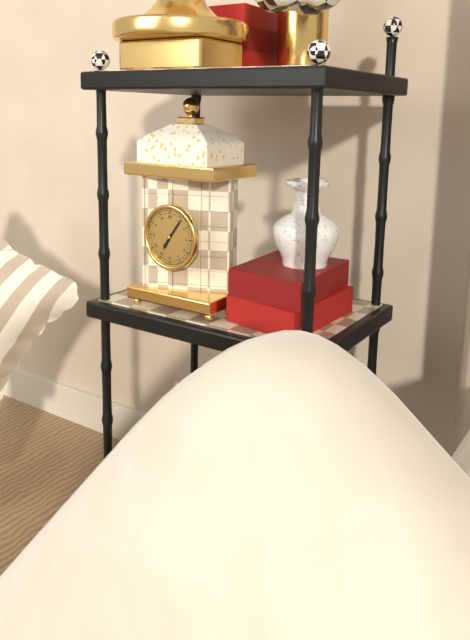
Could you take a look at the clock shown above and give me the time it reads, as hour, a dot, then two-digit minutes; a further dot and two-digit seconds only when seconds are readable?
7.06
